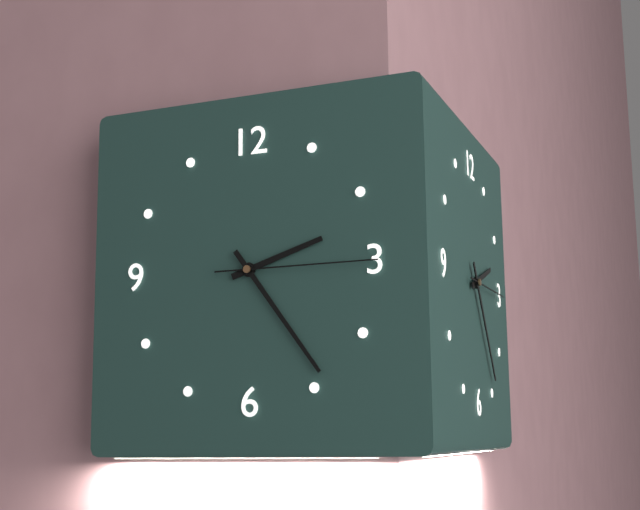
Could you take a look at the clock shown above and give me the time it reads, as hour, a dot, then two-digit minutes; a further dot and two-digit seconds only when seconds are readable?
2.24.15
